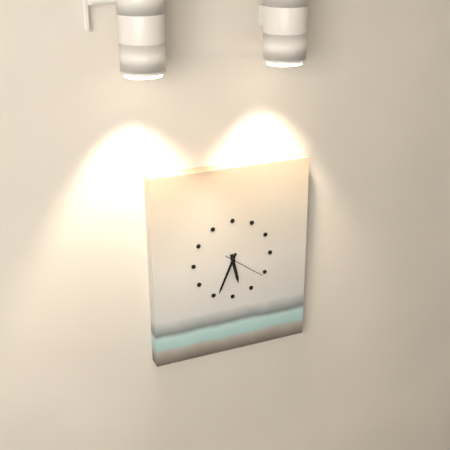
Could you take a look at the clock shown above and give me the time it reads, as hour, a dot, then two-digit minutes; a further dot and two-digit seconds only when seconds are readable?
5.34
